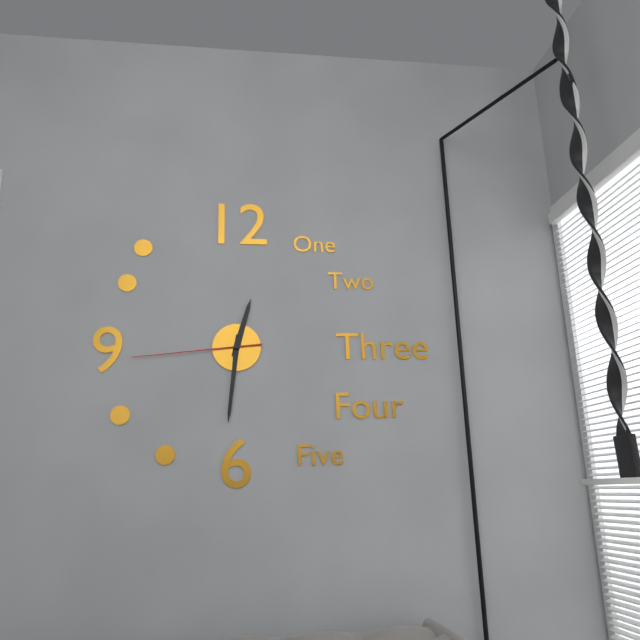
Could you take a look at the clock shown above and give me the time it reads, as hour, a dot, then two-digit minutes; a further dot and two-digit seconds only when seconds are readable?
12.31.44
